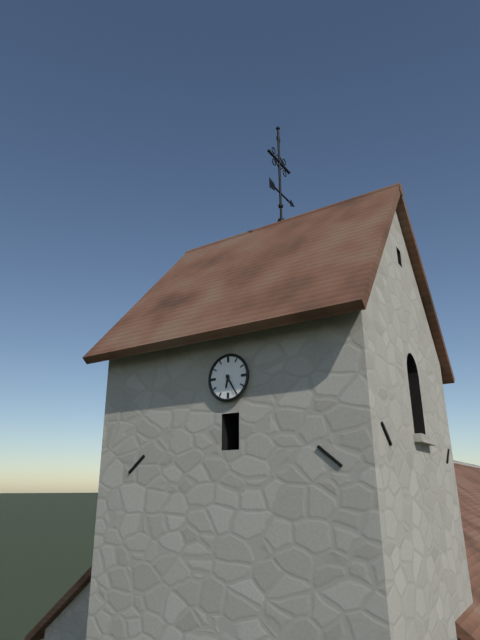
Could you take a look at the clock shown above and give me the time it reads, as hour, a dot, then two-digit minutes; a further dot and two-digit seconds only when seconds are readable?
6.25
